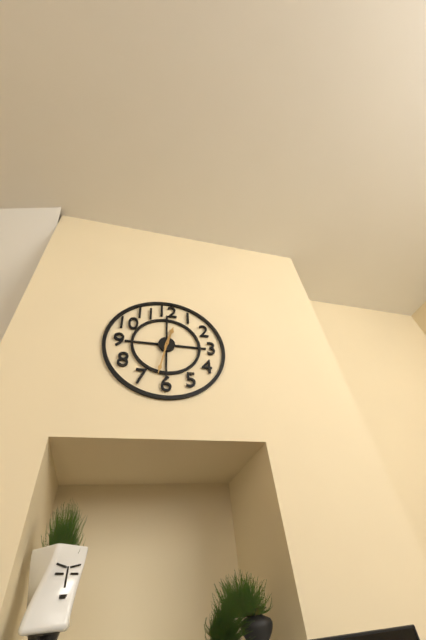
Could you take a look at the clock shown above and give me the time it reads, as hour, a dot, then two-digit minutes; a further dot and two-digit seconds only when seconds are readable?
12.32
